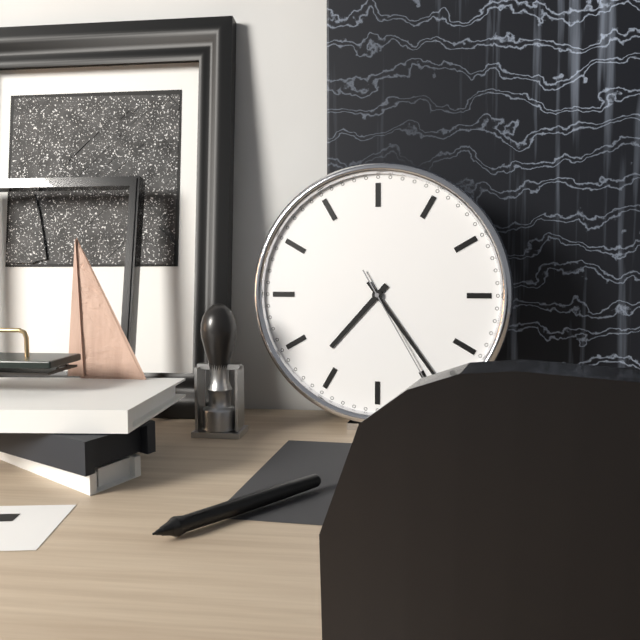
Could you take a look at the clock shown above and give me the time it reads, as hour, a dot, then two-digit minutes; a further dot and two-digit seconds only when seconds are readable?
7.24.25
